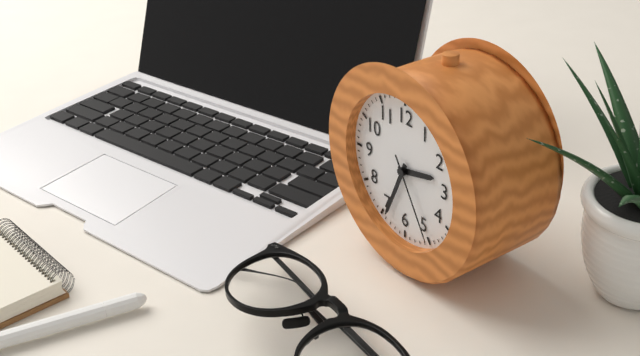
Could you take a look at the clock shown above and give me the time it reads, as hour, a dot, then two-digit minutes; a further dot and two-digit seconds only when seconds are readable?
2.34.25
